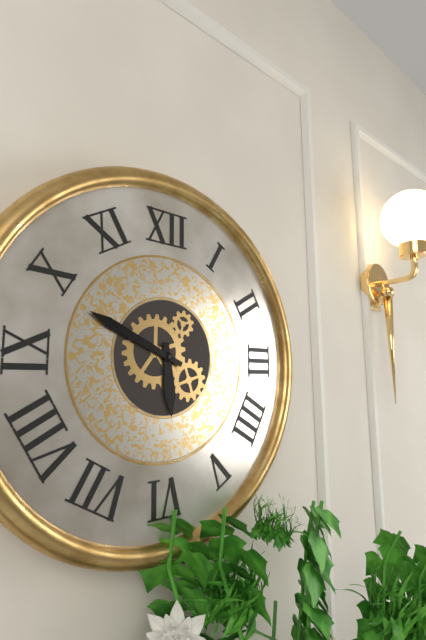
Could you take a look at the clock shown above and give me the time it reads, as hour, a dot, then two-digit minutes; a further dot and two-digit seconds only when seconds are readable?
5.49
